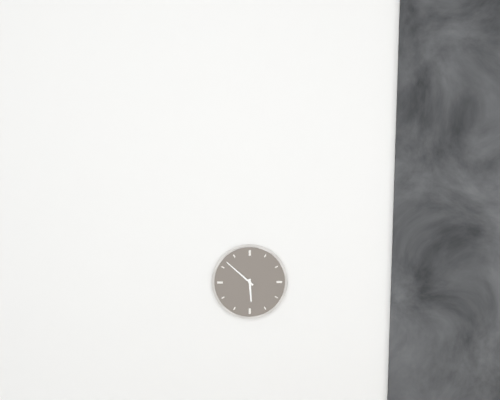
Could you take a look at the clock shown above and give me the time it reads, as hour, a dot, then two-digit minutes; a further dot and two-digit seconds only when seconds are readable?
5.52
